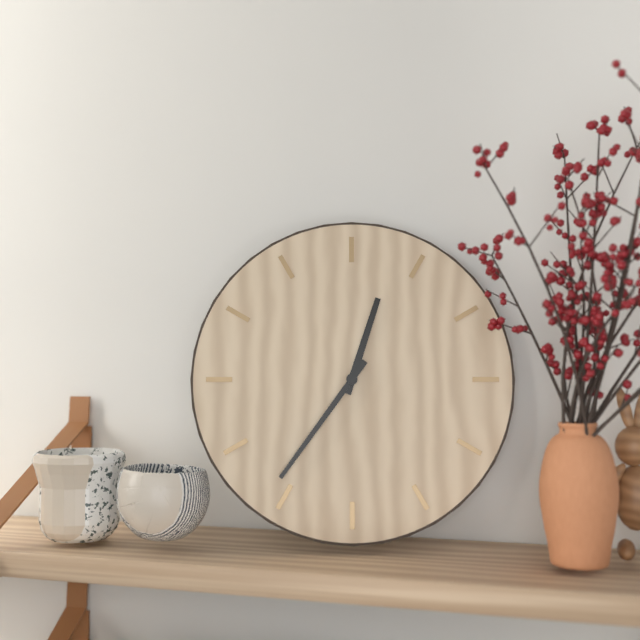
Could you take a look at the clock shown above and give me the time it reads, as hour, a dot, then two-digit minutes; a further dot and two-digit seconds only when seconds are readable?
12.36
